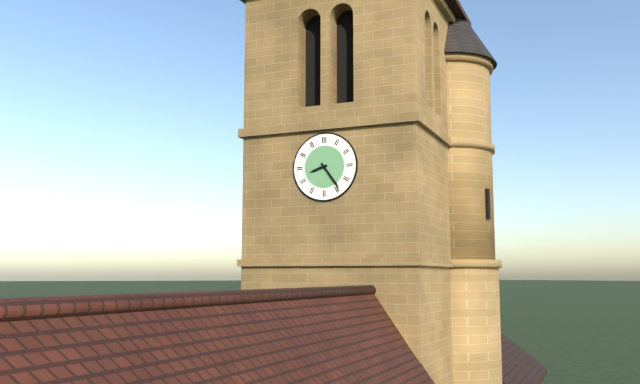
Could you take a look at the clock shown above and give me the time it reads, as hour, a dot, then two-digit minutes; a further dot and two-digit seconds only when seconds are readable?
8.24
